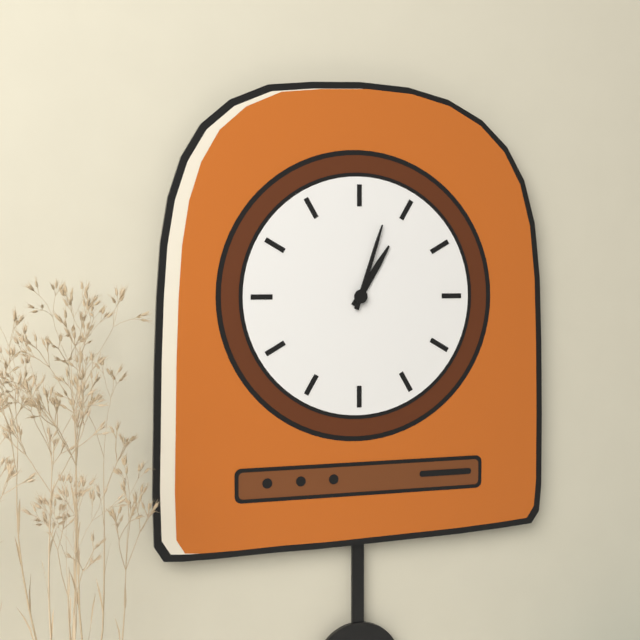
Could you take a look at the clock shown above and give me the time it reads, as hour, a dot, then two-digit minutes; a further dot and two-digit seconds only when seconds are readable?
1.03
